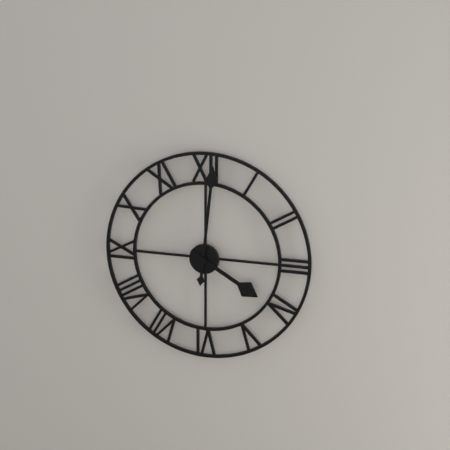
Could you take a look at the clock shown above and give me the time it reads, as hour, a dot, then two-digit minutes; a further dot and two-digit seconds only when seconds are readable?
4.01
